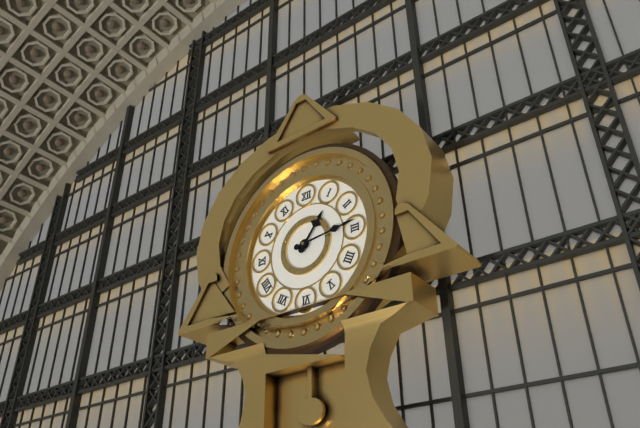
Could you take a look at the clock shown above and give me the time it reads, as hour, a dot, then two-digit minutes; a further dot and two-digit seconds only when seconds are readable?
1.14
